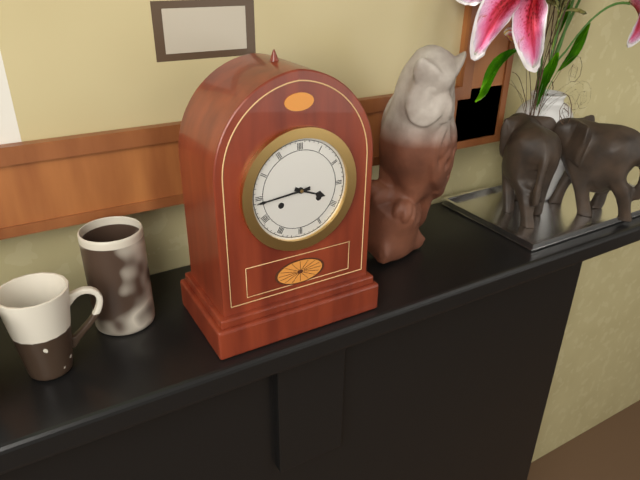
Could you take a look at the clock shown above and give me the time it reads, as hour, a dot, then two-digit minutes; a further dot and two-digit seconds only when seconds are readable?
3.44
